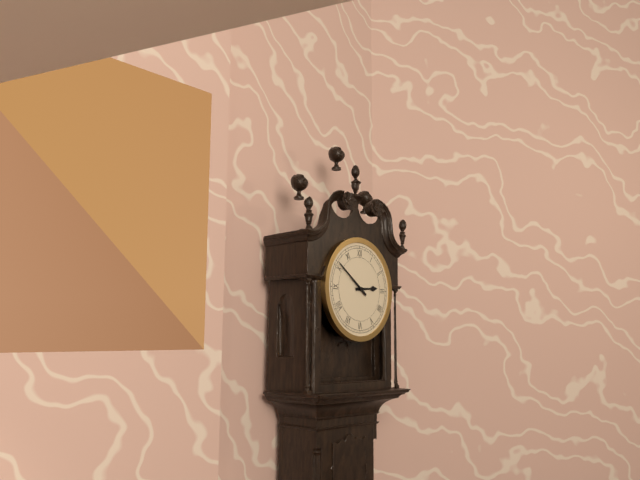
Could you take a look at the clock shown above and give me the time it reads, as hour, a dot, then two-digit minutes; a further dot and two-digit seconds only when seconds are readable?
2.51
